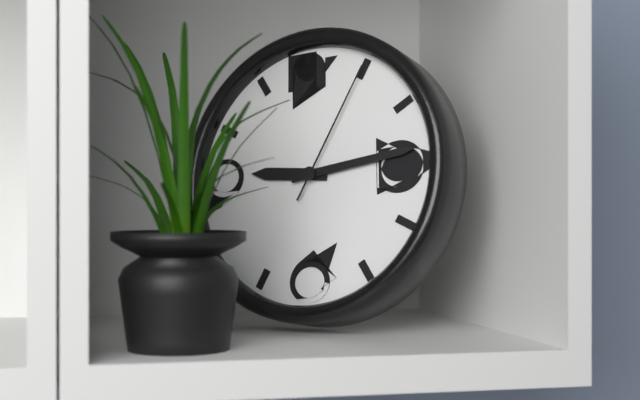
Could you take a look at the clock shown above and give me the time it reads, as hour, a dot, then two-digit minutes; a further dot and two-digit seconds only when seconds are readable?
9.14.05
